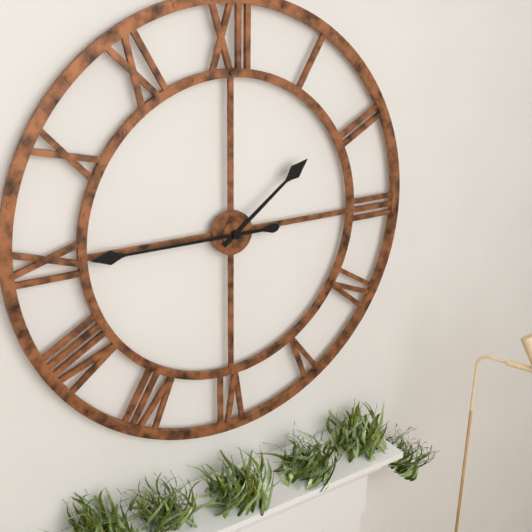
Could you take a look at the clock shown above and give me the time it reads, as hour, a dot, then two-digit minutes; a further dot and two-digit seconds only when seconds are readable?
1.45
